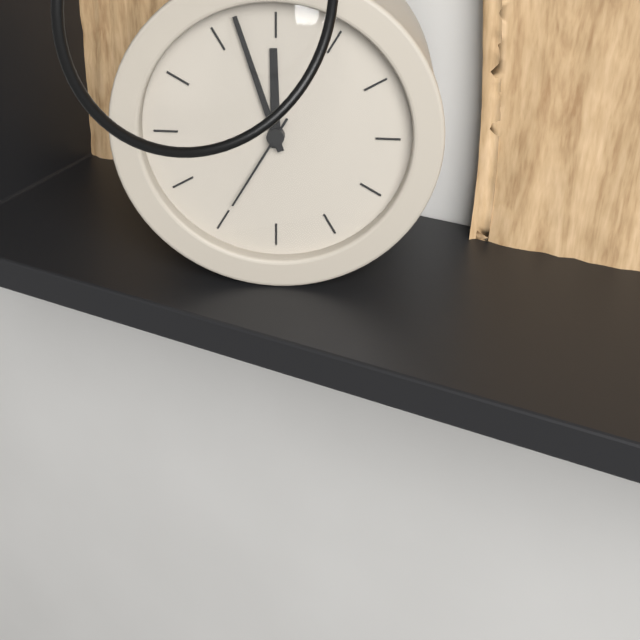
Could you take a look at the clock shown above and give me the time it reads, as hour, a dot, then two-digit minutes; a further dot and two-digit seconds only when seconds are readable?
11.57.35
